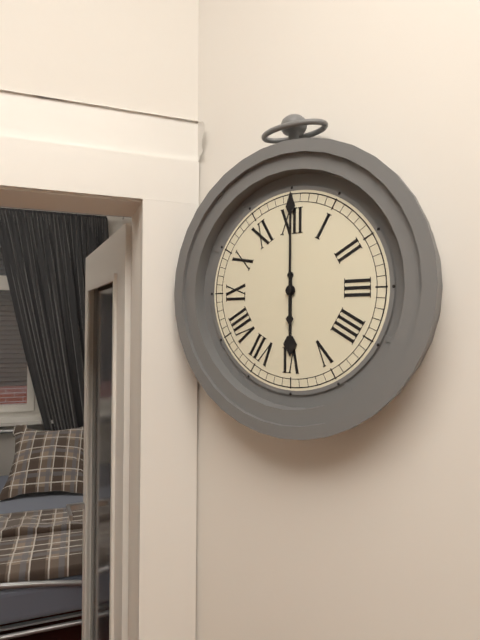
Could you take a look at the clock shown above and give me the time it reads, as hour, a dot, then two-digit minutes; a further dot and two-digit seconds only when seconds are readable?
6.00
